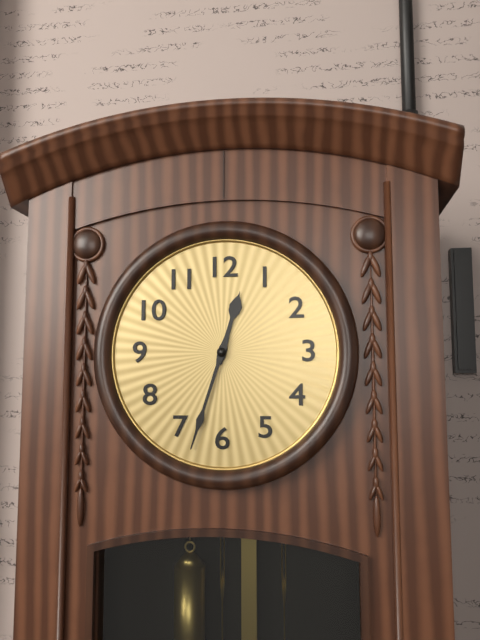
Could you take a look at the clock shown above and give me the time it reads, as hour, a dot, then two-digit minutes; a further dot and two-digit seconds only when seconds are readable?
12.33
